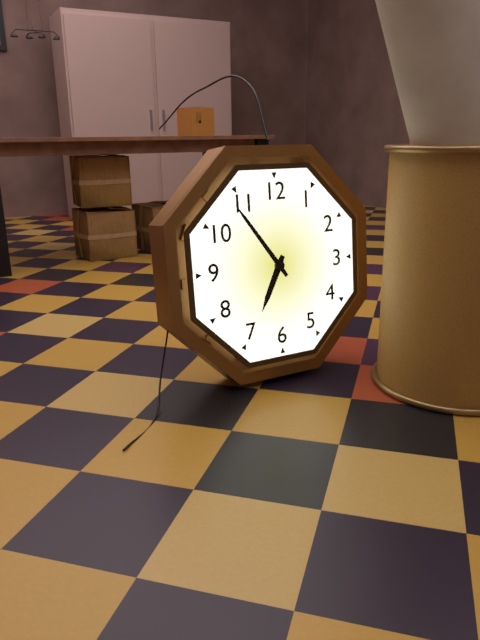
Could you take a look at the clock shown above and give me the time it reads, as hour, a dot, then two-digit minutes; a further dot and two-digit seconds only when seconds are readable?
6.54
